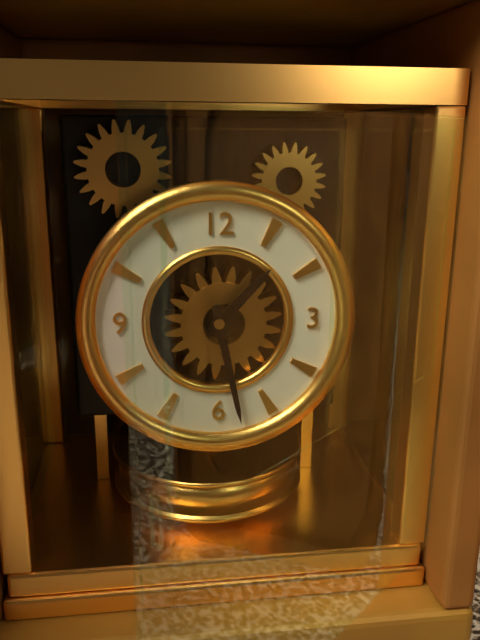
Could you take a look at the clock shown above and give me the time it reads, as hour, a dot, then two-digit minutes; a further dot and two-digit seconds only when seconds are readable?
1.28
